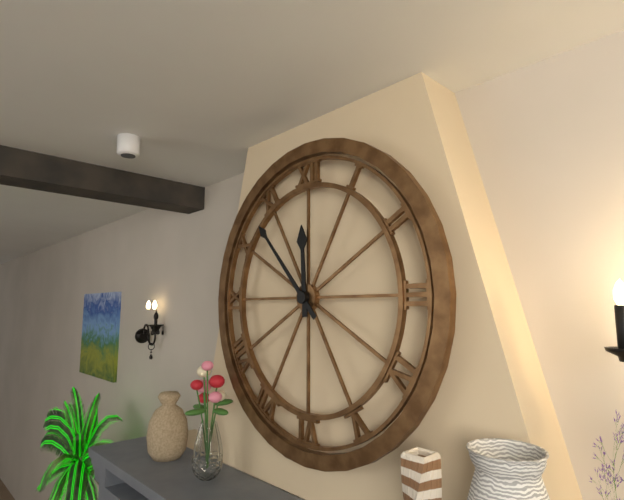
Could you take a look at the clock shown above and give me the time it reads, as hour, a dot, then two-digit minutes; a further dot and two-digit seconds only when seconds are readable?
11.53
